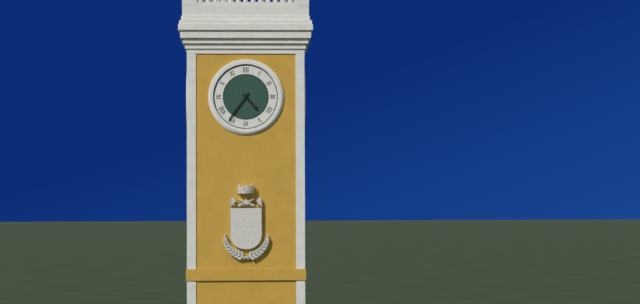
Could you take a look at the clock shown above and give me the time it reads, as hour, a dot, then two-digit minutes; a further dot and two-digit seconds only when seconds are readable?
4.36
